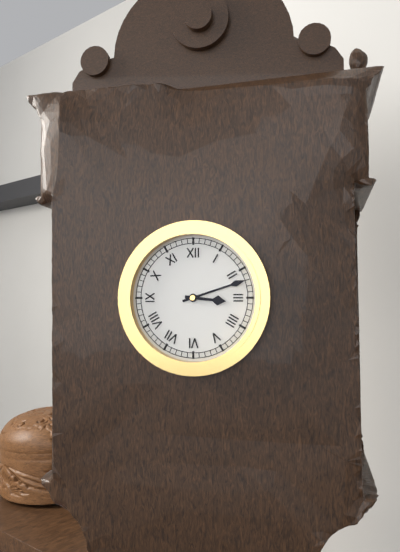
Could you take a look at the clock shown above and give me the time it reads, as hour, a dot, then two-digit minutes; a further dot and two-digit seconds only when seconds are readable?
3.12
